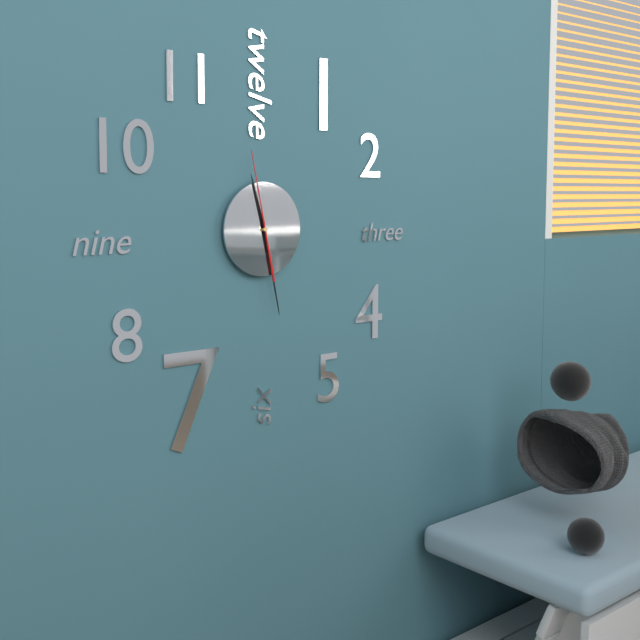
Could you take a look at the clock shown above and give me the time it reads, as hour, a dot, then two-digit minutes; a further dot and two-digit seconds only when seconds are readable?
11.28.58
